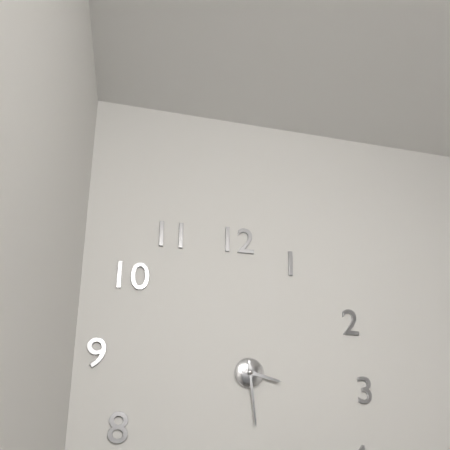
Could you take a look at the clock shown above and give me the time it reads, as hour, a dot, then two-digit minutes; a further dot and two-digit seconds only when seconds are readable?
3.29
